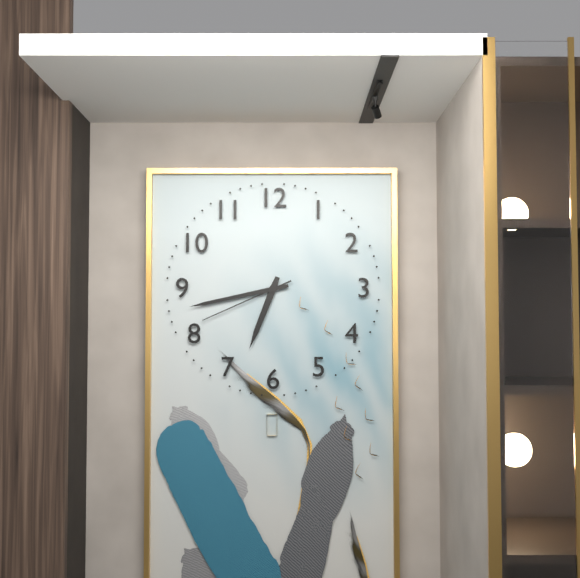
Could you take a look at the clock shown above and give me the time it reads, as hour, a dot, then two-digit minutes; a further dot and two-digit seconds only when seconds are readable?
6.43.41
